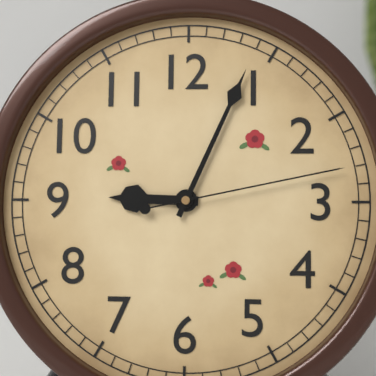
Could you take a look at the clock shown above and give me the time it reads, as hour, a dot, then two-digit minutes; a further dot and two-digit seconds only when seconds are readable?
9.04.13
